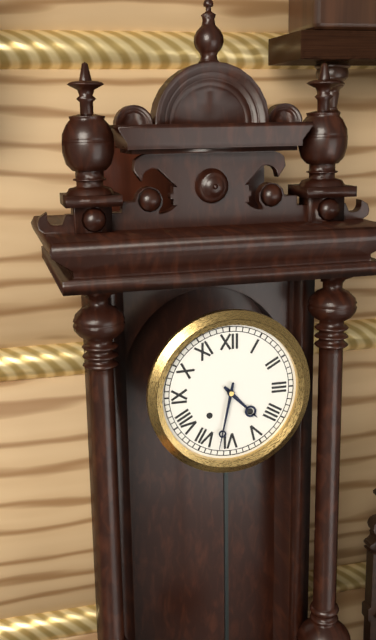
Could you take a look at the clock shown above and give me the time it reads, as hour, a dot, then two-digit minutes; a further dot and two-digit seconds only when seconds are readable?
4.32
